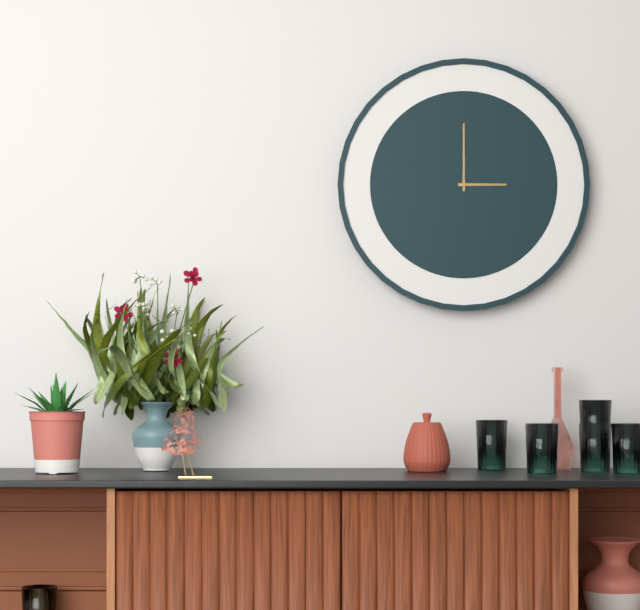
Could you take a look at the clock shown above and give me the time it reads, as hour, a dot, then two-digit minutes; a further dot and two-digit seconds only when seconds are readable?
3.00
